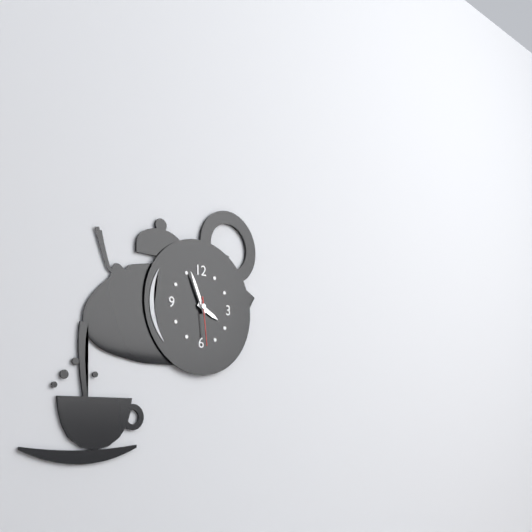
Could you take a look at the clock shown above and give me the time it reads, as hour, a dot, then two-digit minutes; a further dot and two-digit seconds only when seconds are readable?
3.56
